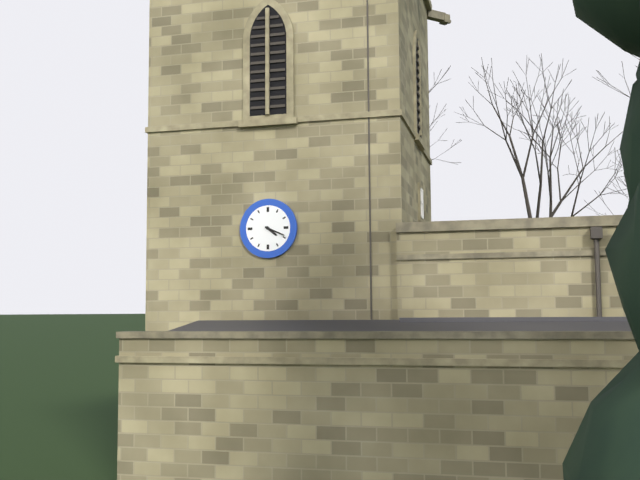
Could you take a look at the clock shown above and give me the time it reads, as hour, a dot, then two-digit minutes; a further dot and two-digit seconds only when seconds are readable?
4.19
